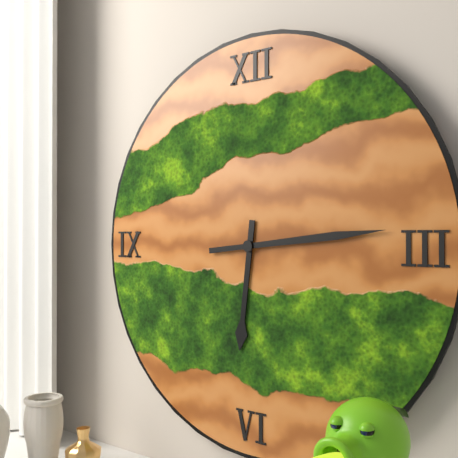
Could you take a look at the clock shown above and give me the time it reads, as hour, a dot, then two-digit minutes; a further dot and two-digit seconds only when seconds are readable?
6.14
